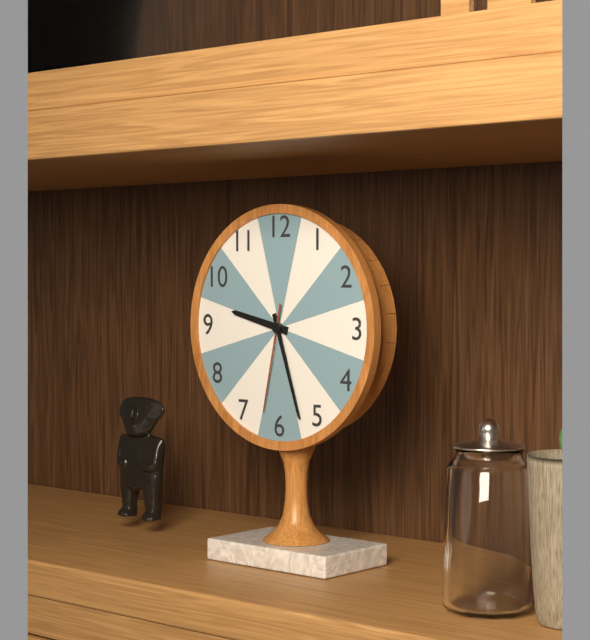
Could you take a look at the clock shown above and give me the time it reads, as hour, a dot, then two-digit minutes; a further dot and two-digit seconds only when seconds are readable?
9.27.32
